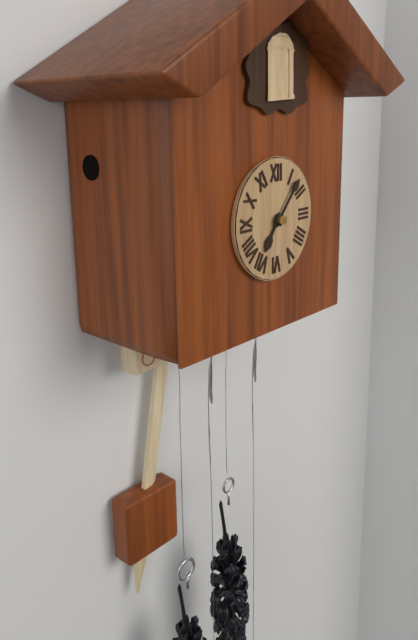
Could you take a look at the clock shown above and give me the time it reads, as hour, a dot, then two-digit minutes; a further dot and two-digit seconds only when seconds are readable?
7.07
